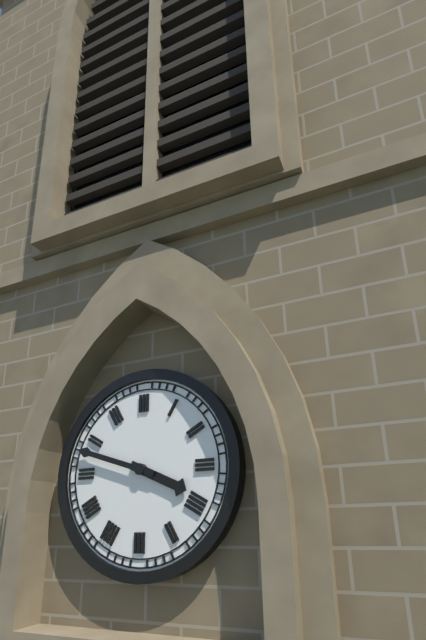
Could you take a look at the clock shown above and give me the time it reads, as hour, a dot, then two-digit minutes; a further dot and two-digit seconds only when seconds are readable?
3.48
